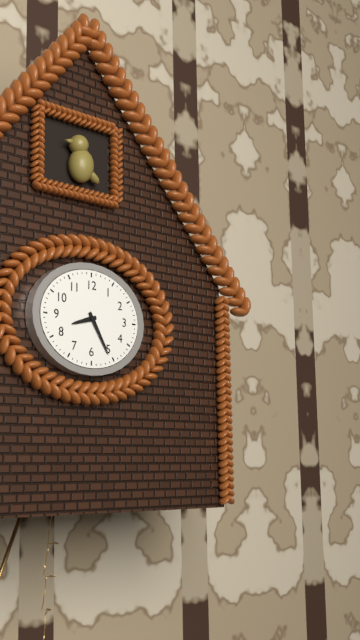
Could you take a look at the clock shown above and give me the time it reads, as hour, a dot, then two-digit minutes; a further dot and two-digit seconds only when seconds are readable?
8.25
